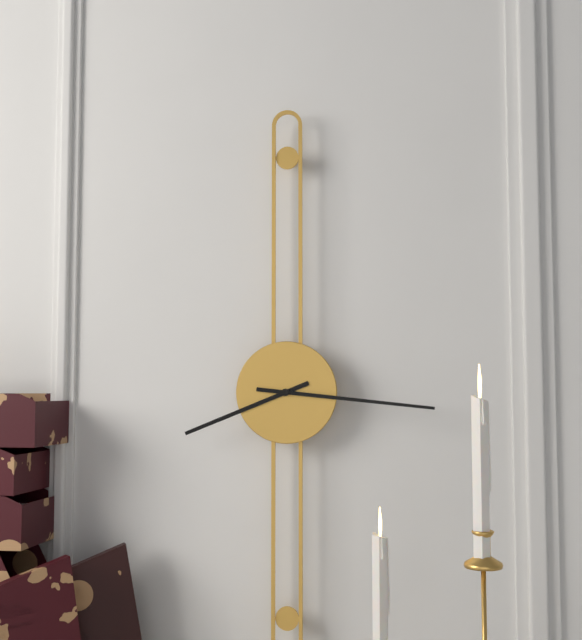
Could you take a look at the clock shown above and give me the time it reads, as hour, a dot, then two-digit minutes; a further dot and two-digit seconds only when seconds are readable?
8.16
